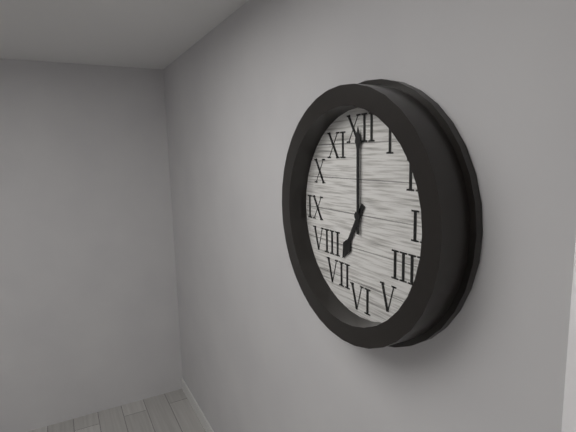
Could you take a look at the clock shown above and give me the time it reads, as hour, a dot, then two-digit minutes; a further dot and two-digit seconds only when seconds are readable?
7.00
